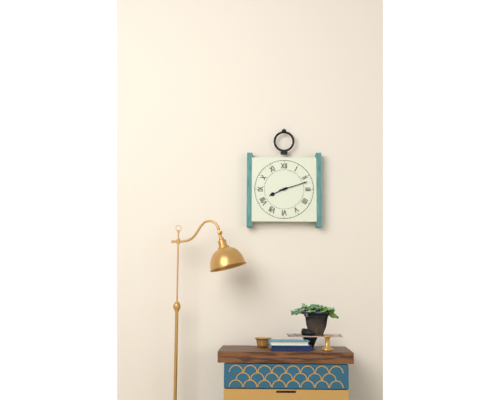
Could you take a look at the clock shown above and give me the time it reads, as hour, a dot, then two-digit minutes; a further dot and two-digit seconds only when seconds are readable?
8.12
